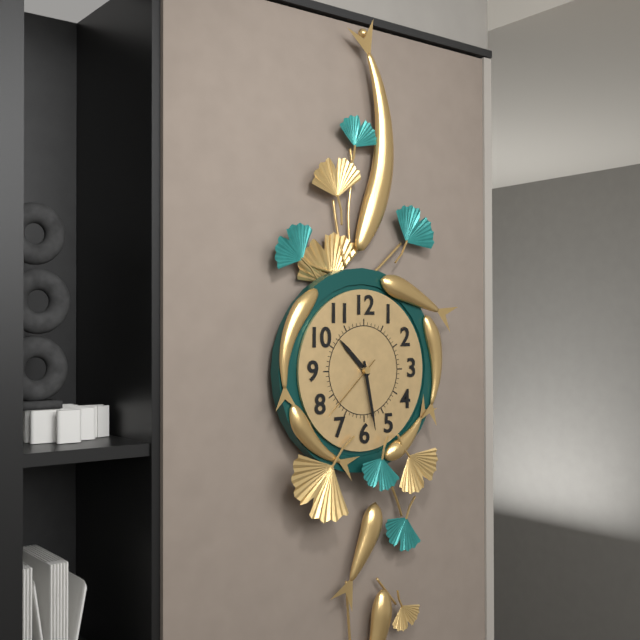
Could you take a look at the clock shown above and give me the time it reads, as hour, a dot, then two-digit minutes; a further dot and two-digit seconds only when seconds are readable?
10.28.38
